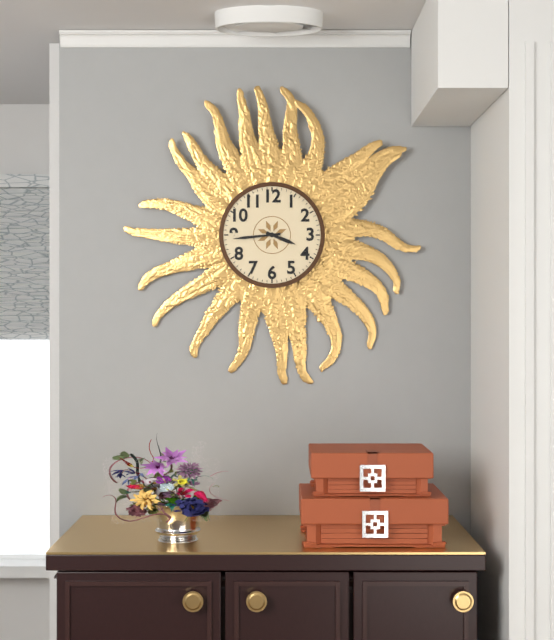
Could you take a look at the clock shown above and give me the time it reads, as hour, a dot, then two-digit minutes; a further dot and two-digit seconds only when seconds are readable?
3.44
